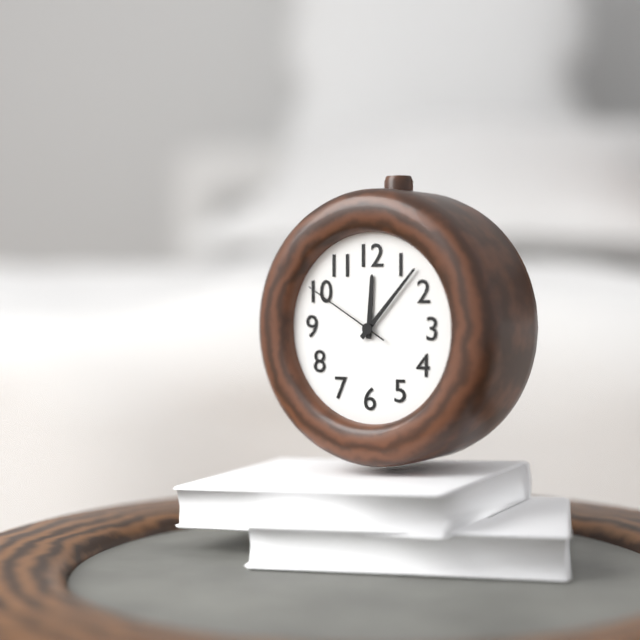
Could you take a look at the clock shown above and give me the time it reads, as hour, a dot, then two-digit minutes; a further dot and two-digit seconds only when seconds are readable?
12.07.50
